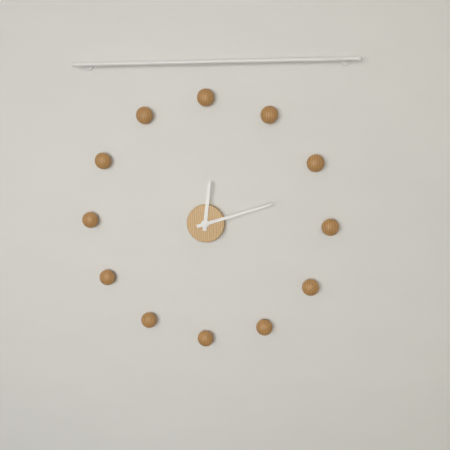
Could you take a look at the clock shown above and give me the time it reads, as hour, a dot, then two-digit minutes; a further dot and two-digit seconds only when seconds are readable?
12.12
